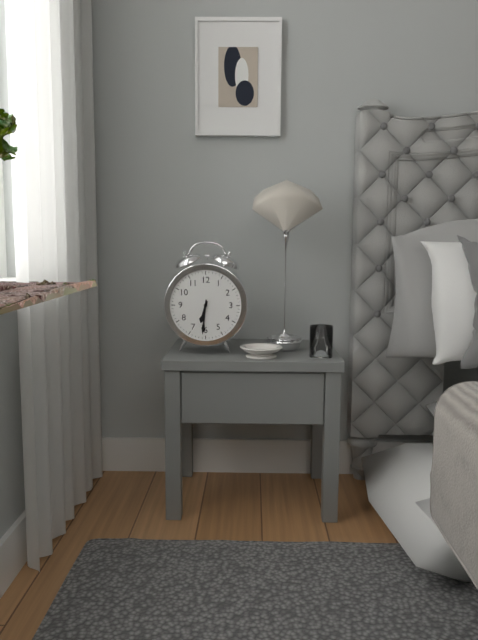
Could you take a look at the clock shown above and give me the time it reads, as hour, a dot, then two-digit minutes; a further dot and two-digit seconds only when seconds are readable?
6.31
